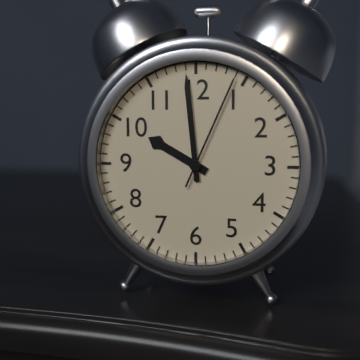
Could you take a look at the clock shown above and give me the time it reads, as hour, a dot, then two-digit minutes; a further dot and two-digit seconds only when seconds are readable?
9.59.04
